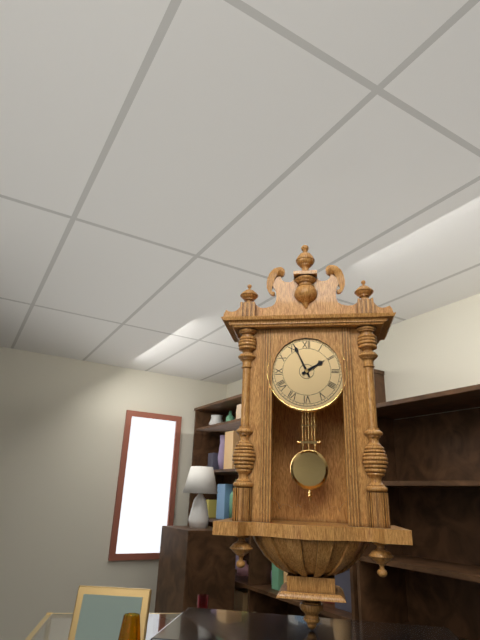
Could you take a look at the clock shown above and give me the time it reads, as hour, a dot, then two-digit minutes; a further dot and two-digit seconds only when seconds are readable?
1.56
